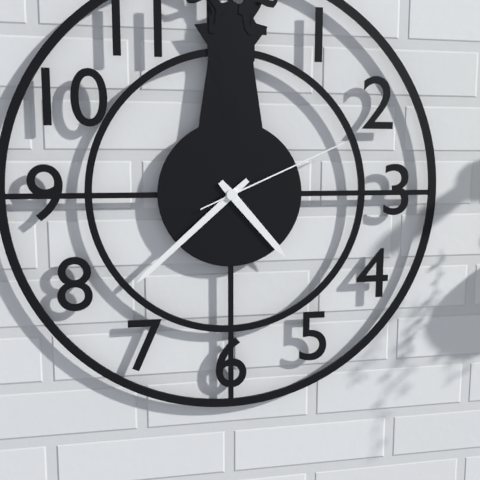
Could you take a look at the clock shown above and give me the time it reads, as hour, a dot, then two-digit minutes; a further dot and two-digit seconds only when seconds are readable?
4.38.11
